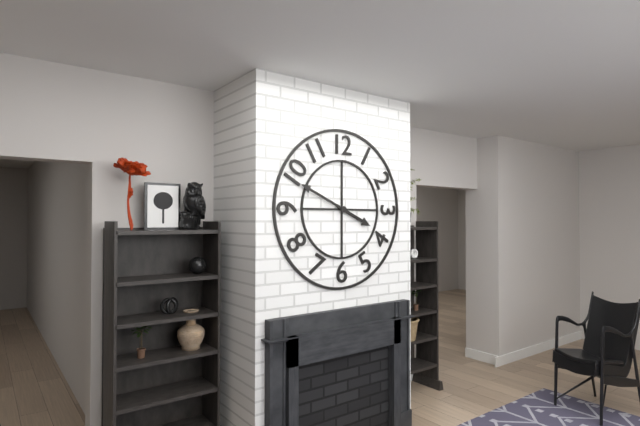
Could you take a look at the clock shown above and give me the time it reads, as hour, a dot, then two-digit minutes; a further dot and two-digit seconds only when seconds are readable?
3.49
